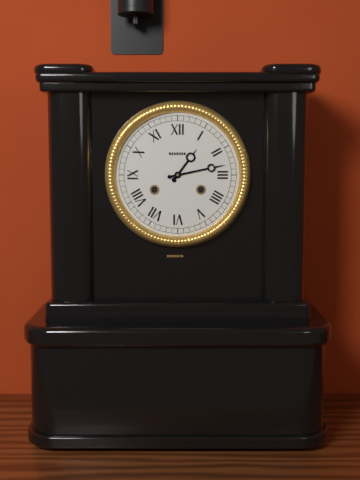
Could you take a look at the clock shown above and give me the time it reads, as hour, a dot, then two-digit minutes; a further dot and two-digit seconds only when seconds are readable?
1.13
